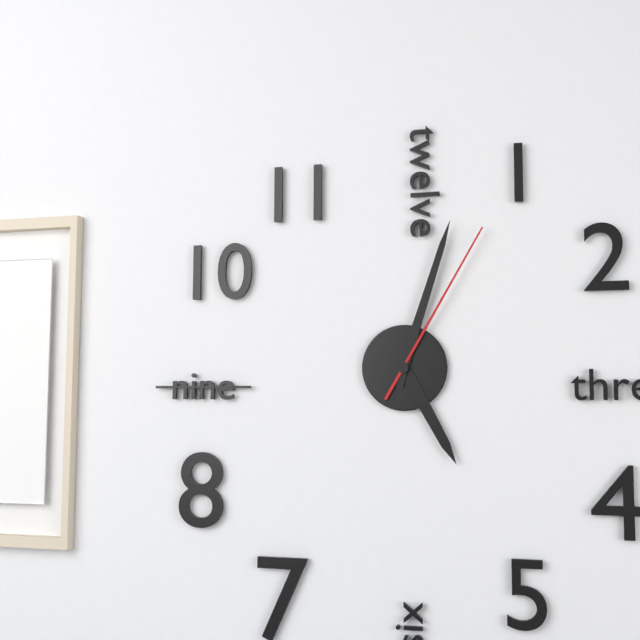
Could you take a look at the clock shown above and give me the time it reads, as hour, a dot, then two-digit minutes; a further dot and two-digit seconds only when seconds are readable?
5.03.05
